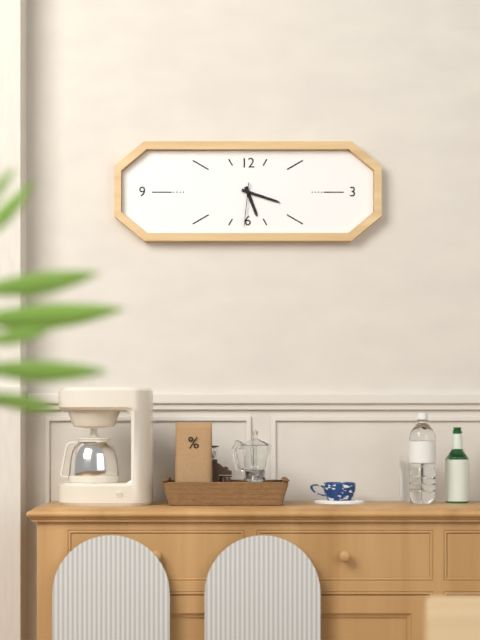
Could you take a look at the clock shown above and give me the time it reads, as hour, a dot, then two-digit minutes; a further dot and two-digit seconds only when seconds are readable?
5.18
